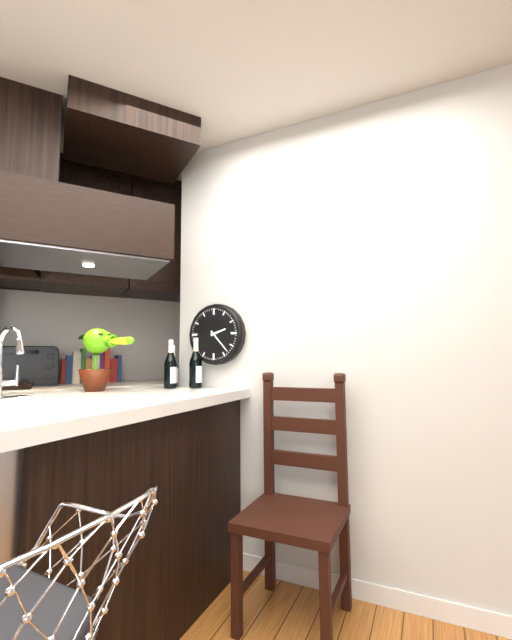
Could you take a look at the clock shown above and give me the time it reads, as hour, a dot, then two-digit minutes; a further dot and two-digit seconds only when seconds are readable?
2.23
